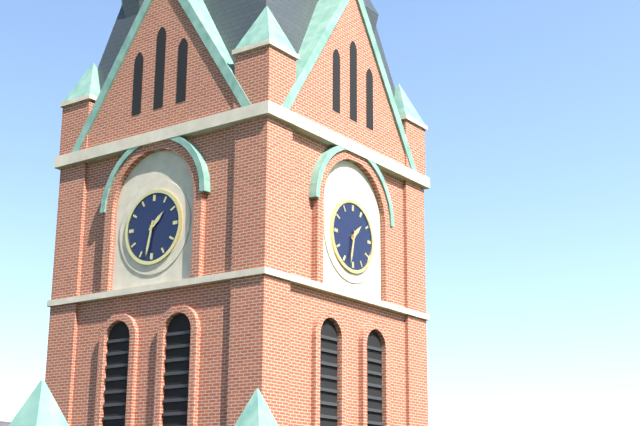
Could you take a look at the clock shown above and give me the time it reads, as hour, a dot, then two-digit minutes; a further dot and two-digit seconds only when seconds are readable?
1.32
